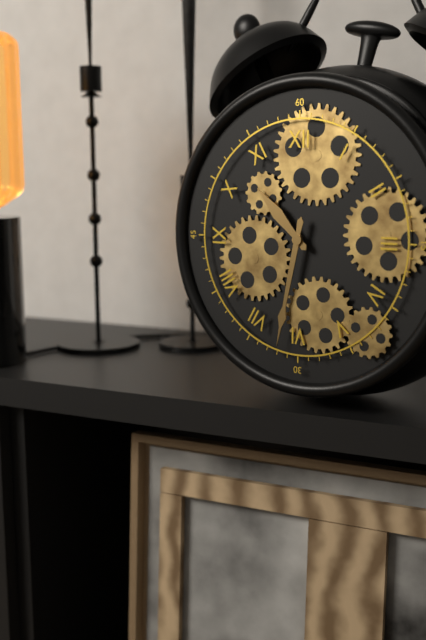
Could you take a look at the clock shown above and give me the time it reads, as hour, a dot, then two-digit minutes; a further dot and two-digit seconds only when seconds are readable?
10.32
